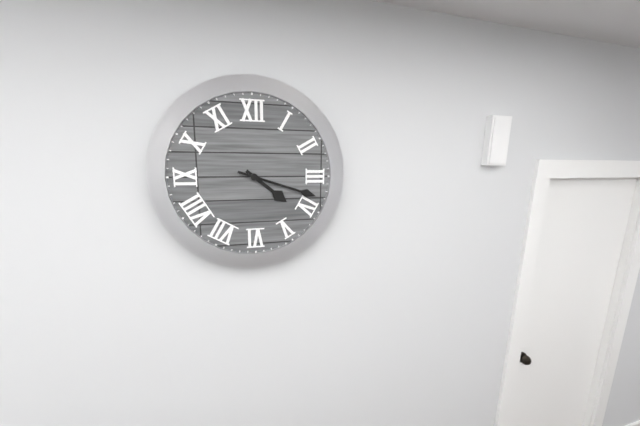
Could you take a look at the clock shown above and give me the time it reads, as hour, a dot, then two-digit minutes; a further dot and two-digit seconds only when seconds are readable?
4.18
